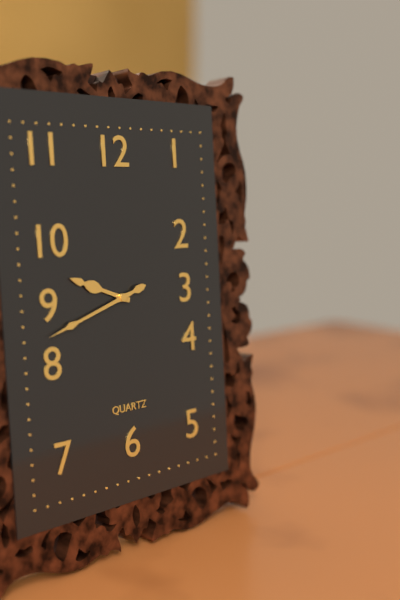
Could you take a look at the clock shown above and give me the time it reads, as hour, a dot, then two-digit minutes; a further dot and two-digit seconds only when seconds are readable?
9.42
